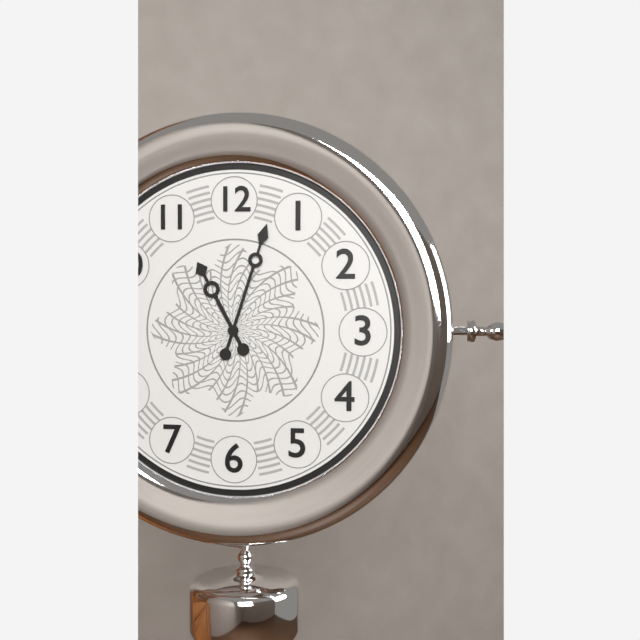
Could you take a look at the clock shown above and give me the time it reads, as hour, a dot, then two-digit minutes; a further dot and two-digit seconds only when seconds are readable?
11.03
